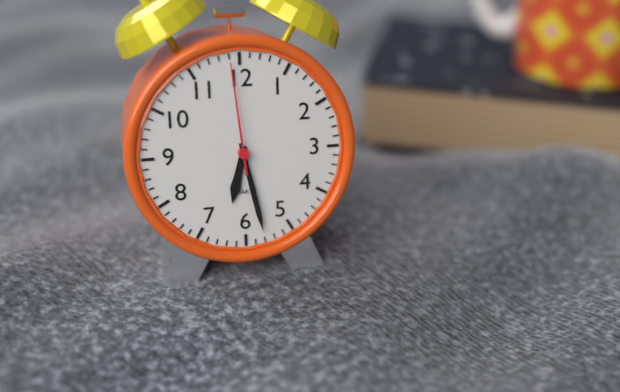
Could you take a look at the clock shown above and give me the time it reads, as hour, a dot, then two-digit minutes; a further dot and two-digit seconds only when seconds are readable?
6.28.59
